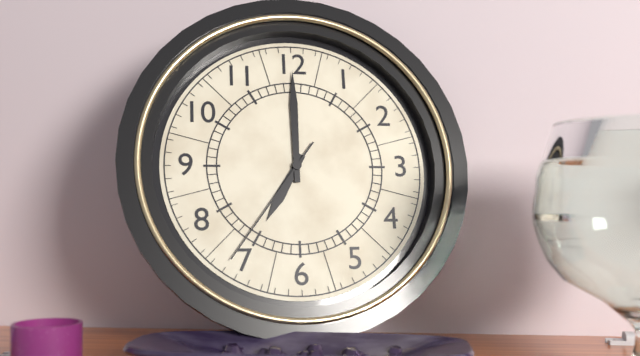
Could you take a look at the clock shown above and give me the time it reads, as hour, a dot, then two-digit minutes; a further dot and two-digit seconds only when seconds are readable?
7.00.36
